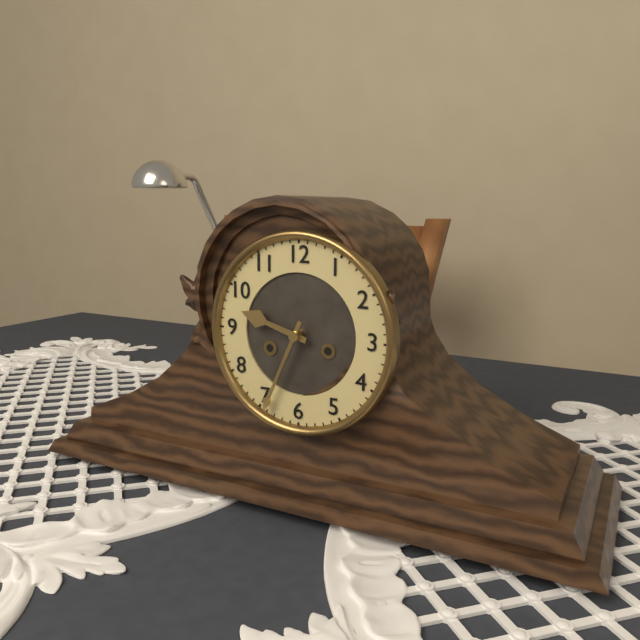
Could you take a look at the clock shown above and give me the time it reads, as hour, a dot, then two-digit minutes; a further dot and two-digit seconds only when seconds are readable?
9.34
